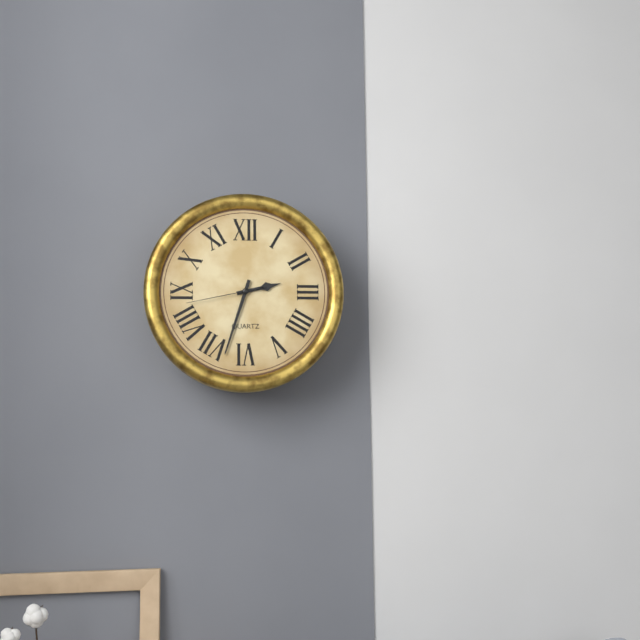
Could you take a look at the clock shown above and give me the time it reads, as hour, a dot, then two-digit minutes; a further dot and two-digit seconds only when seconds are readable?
2.33.43
